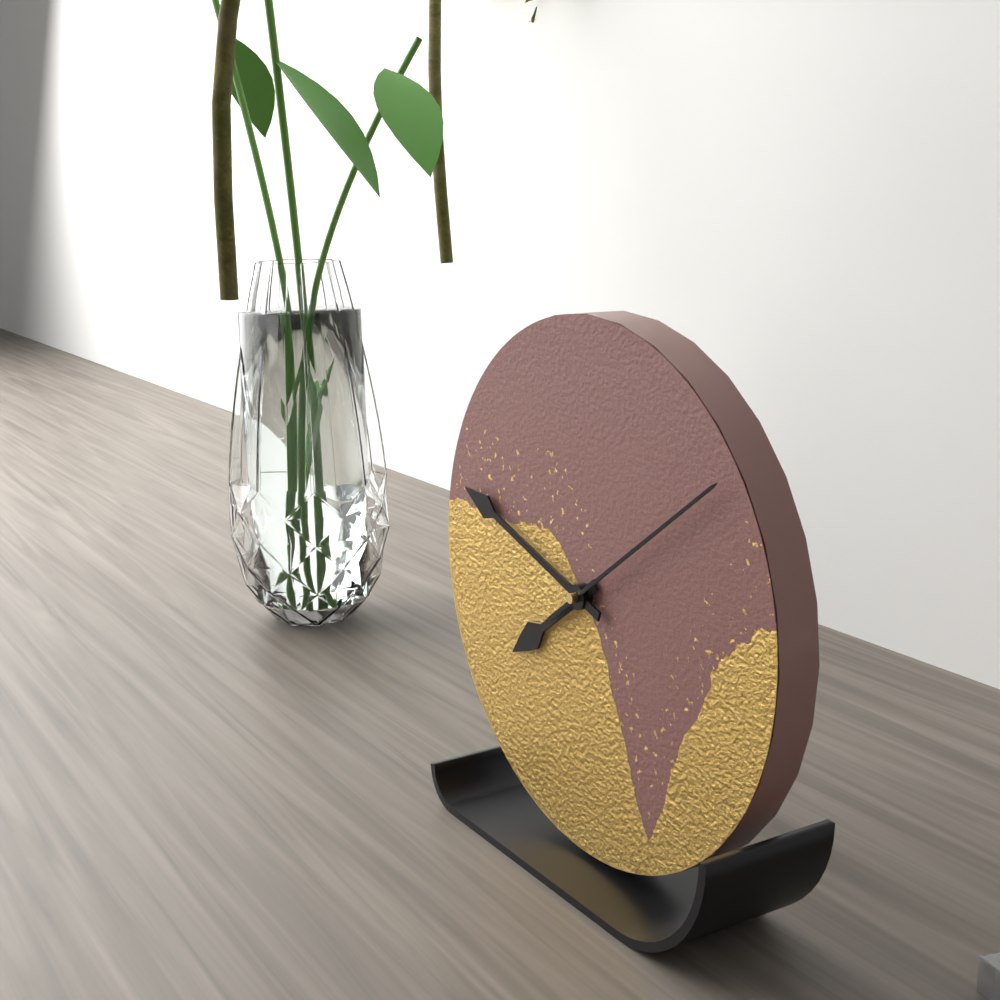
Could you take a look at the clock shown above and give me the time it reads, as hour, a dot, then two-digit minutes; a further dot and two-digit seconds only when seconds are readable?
7.48.09
